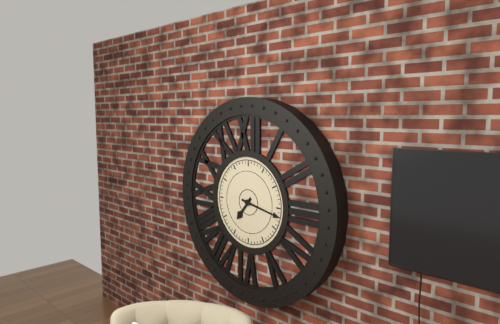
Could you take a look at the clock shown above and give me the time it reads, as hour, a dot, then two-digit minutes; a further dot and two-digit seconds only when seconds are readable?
7.17
